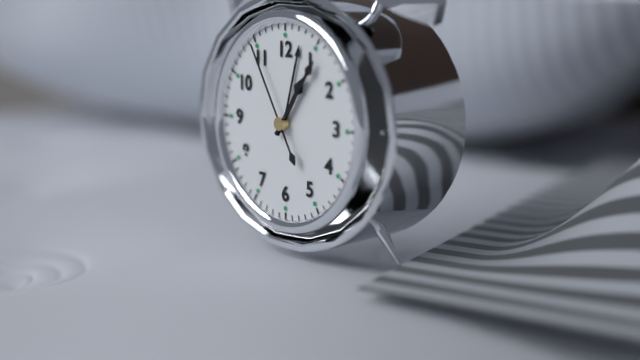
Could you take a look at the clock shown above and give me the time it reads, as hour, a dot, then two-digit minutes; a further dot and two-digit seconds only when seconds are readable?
1.06.55
